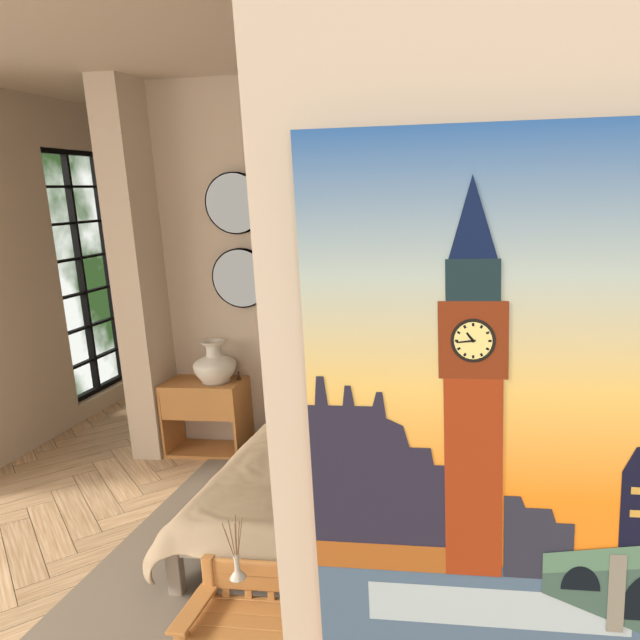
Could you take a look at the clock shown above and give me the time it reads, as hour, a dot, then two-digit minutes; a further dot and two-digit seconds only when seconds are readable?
10.44
